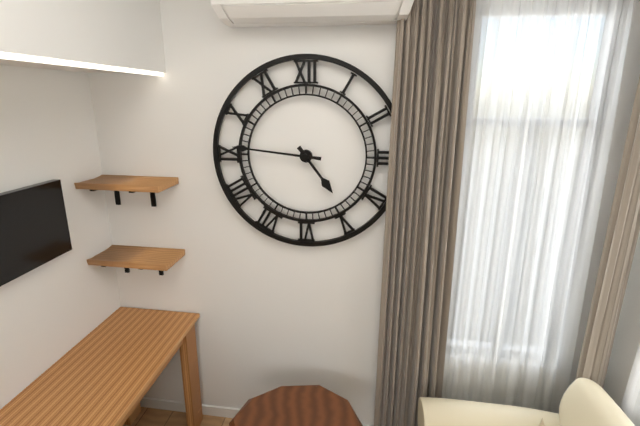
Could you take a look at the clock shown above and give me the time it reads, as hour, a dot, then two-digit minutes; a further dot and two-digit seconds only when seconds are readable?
4.46
